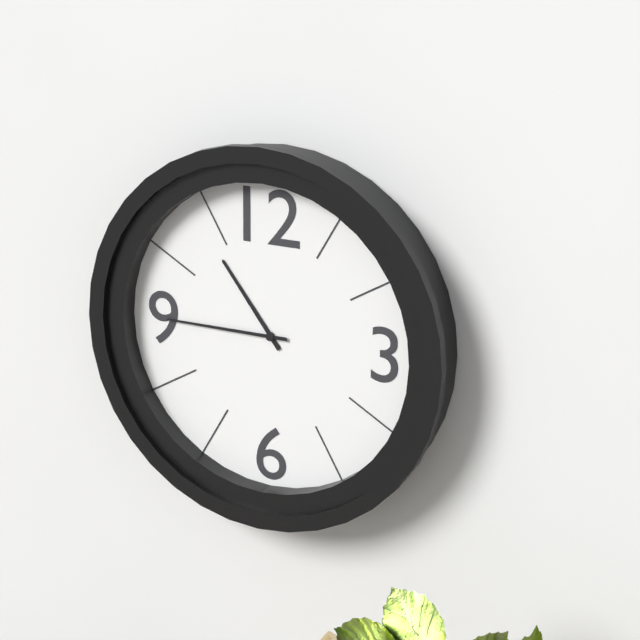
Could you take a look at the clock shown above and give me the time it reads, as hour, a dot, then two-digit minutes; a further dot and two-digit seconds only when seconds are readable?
10.45
